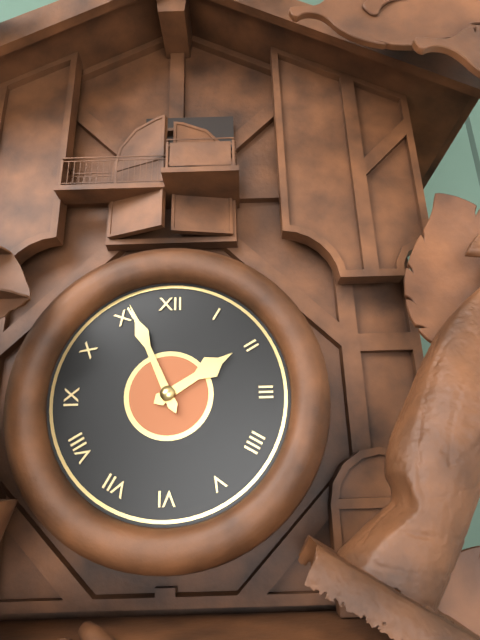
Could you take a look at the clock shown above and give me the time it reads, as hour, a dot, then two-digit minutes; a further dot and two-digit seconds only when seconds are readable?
1.56
